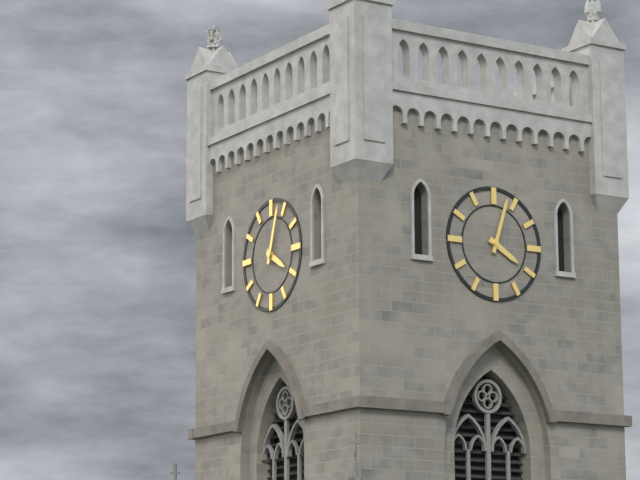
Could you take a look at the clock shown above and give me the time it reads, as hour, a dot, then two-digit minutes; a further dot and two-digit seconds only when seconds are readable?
4.03
